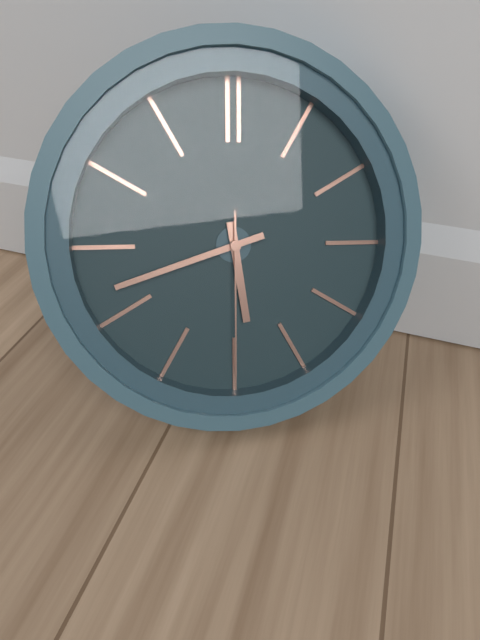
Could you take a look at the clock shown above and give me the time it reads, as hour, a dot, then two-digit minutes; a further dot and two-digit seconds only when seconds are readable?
5.42.30
